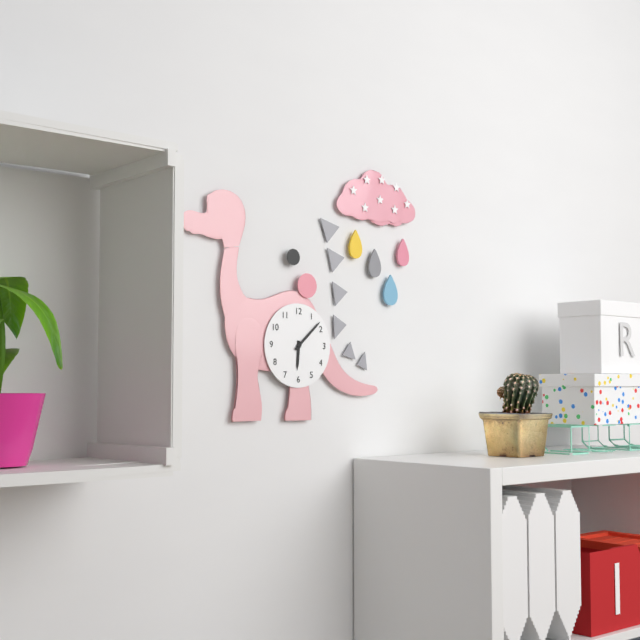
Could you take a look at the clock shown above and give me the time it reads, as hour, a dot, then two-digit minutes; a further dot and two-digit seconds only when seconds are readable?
6.08
